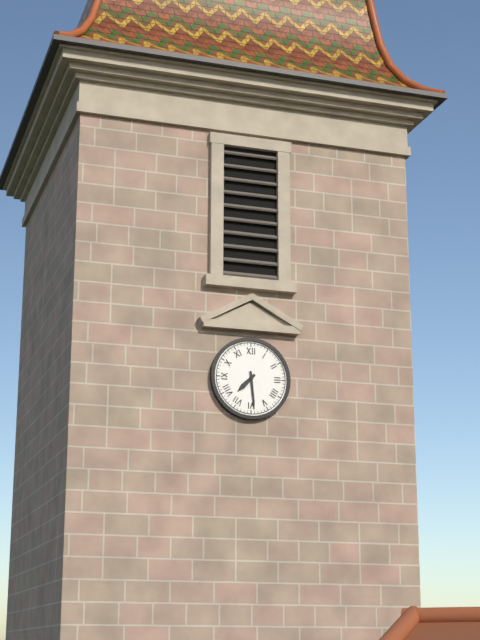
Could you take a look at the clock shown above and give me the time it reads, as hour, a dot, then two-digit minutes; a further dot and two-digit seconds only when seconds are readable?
7.29
